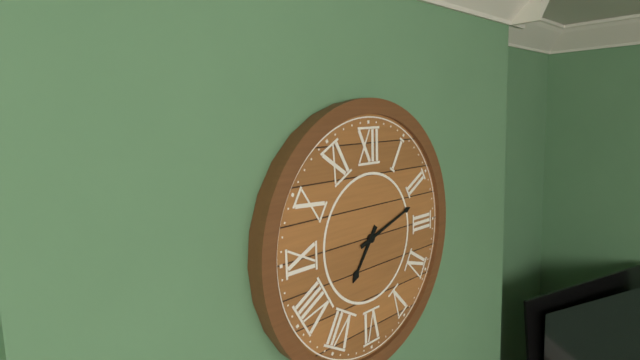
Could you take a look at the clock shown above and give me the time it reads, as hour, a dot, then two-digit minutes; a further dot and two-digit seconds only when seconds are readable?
7.12
